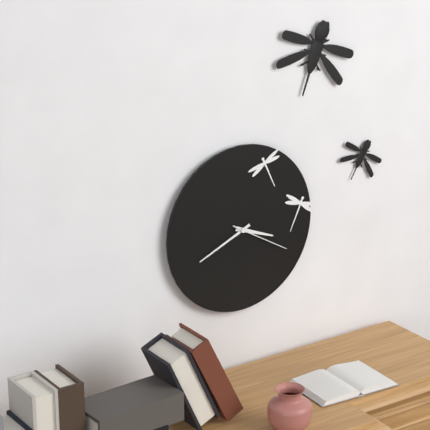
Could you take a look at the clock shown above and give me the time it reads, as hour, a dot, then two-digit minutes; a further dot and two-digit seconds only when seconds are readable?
3.41.20
